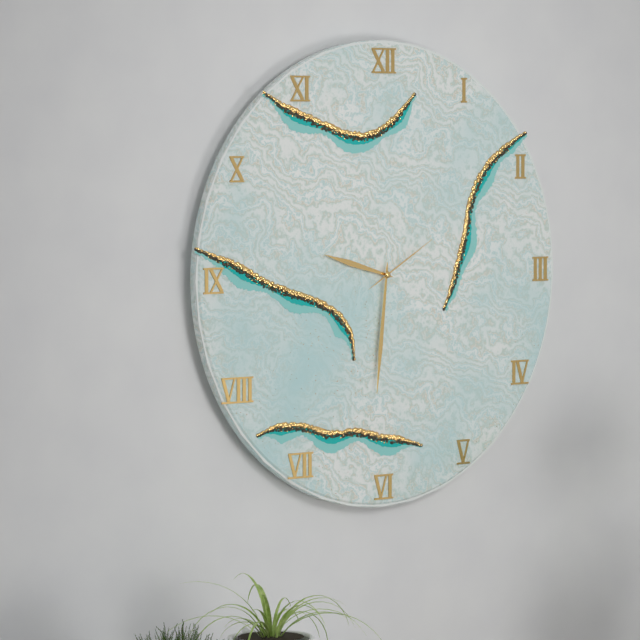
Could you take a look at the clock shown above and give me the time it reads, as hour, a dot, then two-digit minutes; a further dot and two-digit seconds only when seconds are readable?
9.31.10
